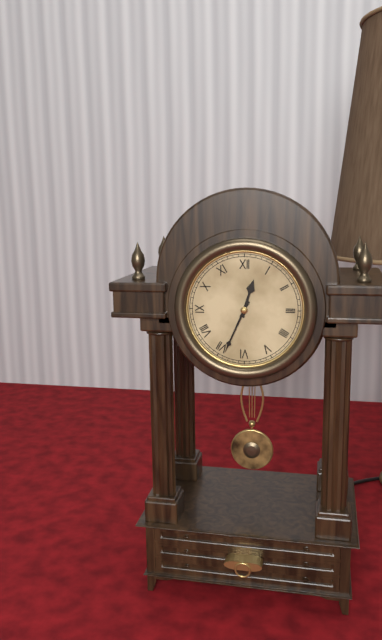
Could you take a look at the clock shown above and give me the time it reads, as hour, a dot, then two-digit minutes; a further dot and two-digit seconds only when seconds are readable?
12.34
